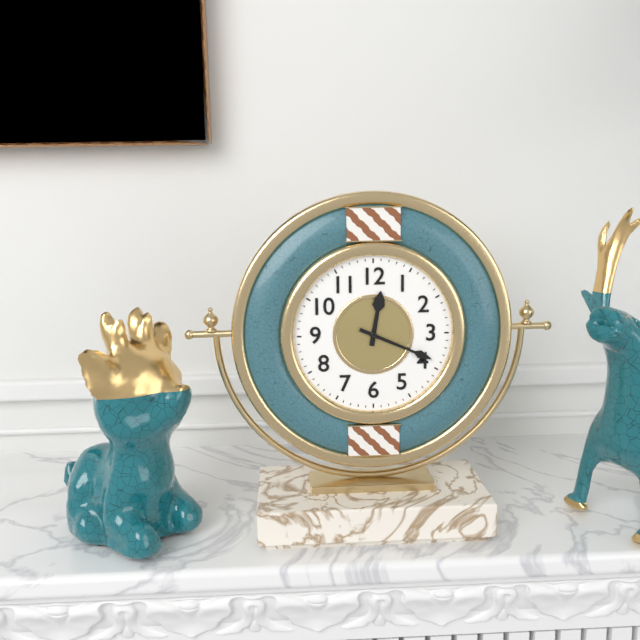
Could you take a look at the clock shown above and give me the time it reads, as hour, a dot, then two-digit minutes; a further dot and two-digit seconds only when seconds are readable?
12.19
